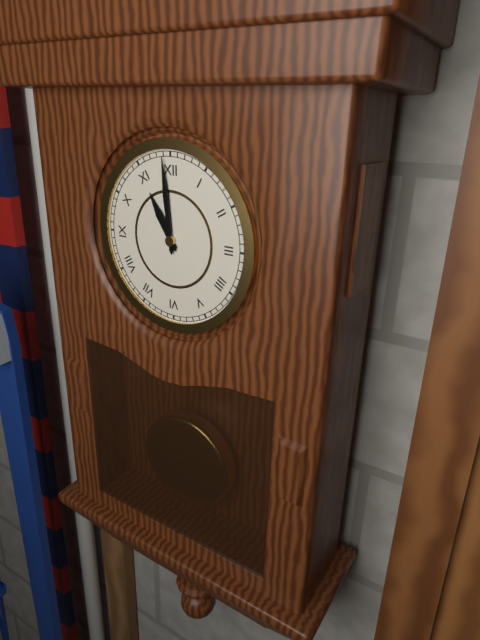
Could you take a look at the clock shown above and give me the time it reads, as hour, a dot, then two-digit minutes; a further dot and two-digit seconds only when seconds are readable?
10.59
